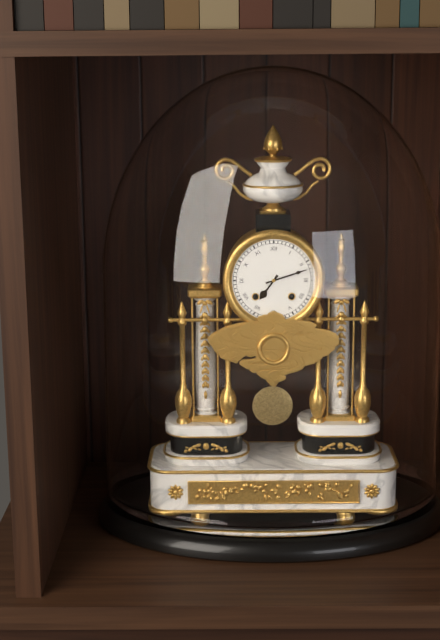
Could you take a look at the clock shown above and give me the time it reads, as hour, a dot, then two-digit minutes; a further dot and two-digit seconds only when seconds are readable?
7.12
